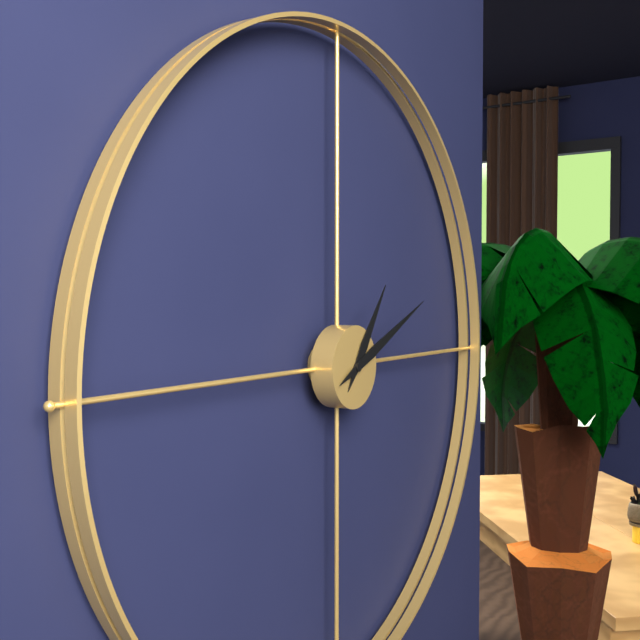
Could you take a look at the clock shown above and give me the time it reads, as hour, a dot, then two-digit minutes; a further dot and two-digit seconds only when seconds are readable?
1.11
